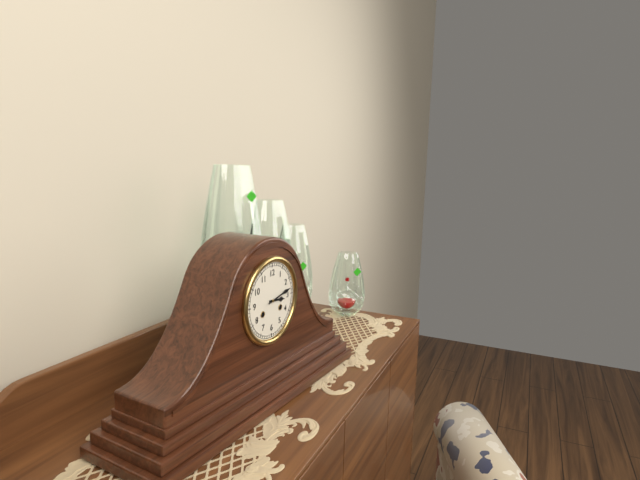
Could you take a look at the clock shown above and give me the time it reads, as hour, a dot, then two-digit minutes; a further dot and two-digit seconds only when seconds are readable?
3.13
